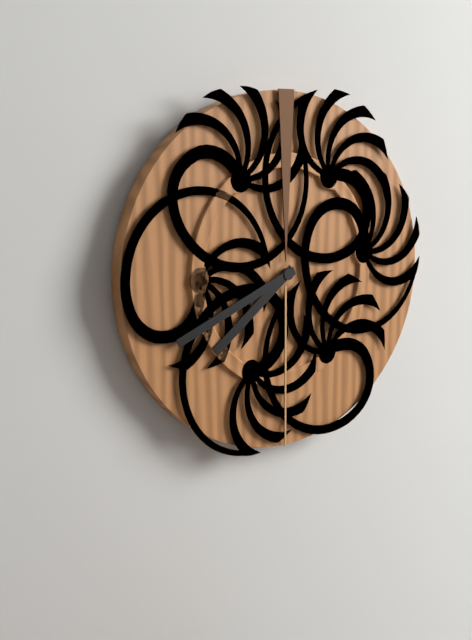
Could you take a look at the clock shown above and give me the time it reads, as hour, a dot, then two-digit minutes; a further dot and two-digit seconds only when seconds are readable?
7.41
